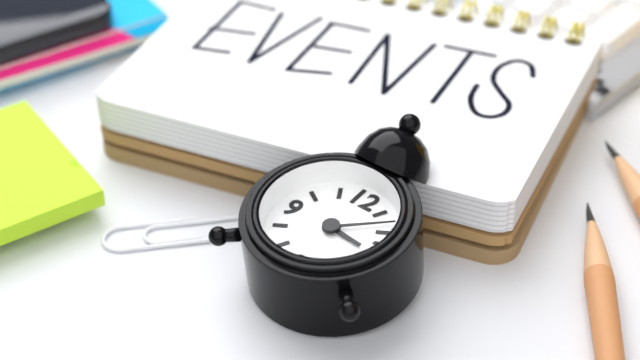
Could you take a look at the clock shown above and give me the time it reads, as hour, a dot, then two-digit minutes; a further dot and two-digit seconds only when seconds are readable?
3.08
